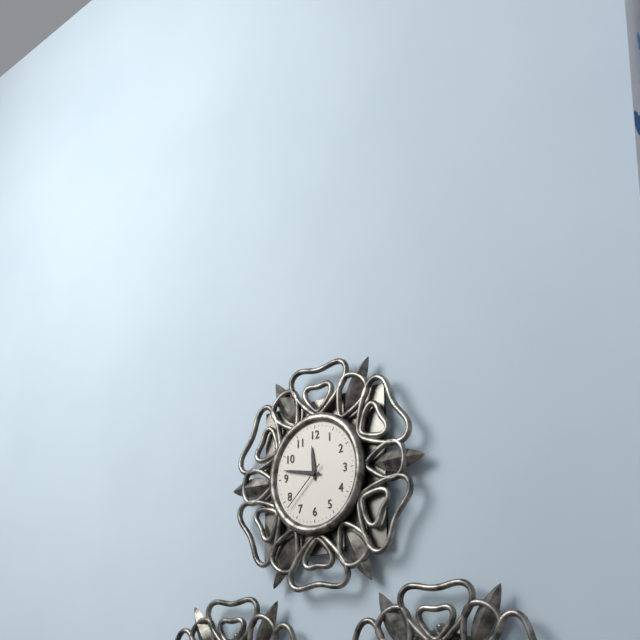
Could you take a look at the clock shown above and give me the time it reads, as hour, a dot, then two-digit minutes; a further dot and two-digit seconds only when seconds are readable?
11.47.38
